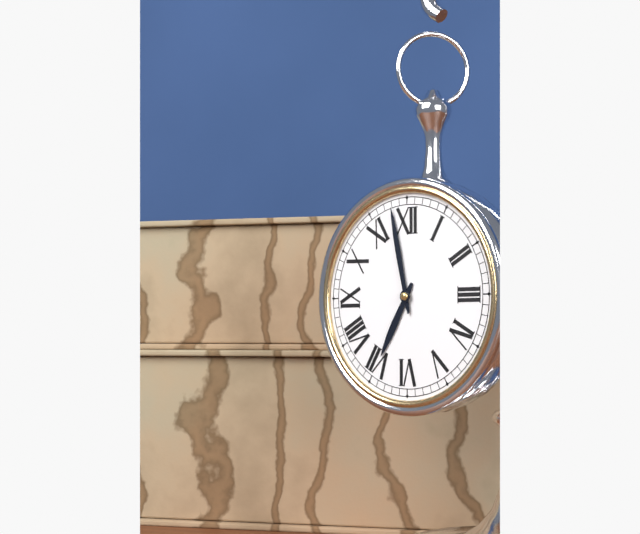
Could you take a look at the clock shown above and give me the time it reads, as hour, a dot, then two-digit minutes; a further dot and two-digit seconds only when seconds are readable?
6.58
